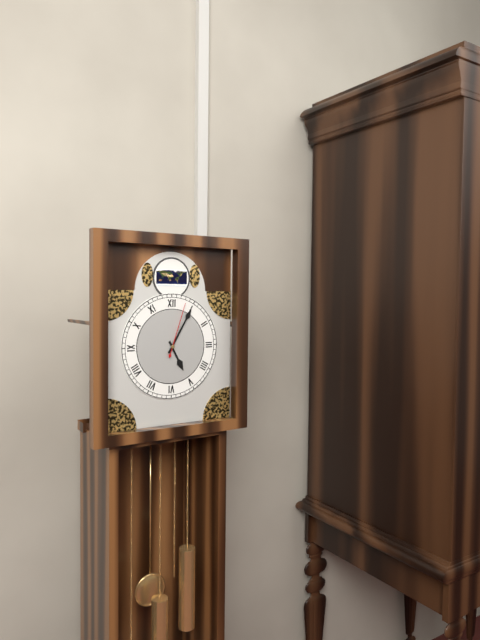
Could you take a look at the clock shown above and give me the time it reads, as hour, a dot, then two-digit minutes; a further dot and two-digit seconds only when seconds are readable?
5.05.03
